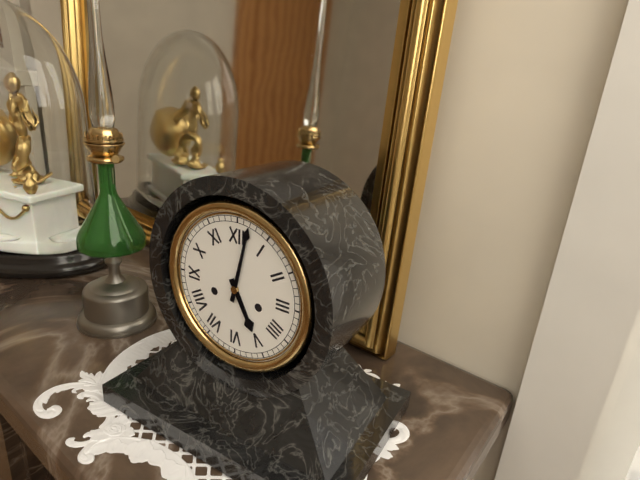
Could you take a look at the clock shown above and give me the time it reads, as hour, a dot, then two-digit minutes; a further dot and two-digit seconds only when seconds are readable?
5.02
